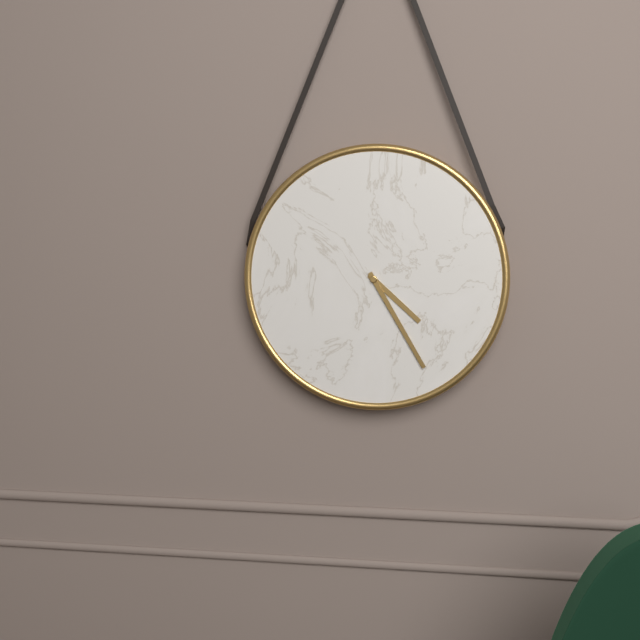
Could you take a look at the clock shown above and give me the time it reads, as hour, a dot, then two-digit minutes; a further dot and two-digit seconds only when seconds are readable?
4.25
